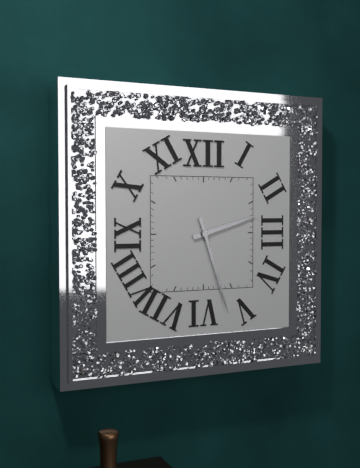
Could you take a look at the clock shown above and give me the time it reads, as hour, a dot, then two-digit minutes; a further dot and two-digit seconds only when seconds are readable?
2.27
